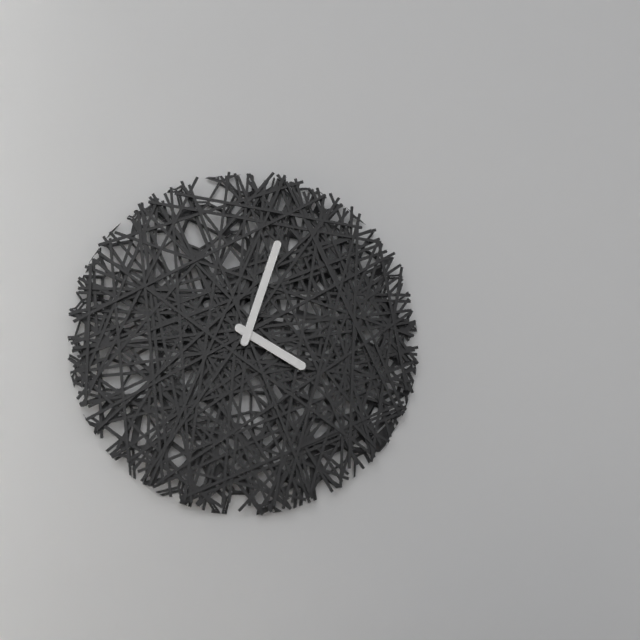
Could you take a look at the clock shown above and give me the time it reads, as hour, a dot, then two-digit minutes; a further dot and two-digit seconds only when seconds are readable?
4.03
